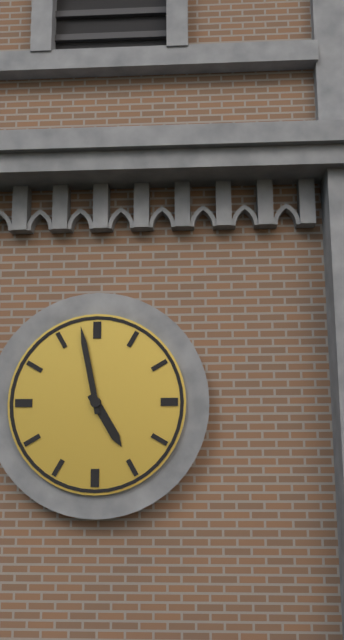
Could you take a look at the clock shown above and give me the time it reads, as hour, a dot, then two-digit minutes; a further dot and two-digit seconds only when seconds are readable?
4.58
